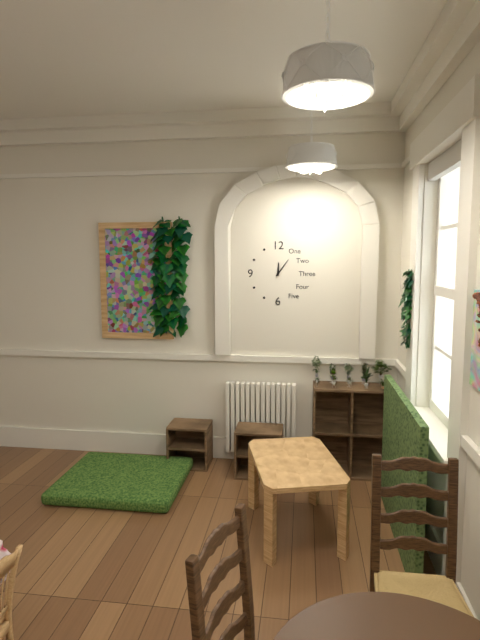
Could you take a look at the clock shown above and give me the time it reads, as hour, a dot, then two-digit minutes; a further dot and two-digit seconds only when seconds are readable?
12.06
